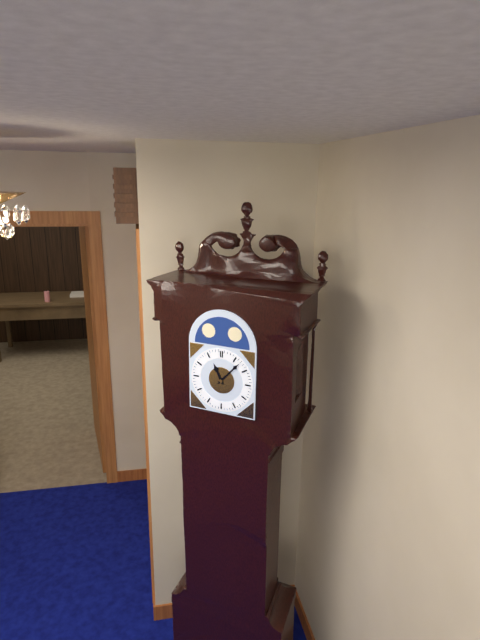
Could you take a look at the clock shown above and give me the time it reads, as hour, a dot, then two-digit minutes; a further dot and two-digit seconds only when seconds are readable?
11.07
